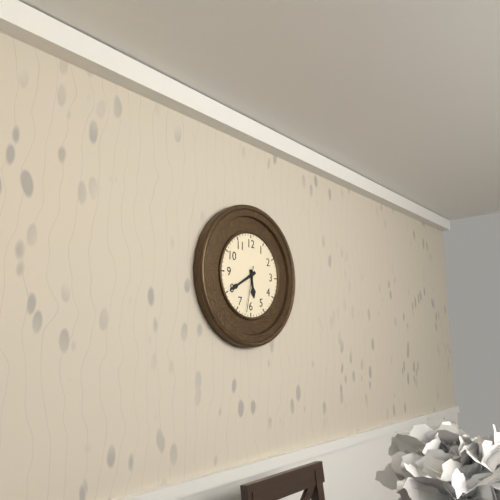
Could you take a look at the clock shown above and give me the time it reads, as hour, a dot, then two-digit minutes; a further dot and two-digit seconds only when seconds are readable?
5.40
